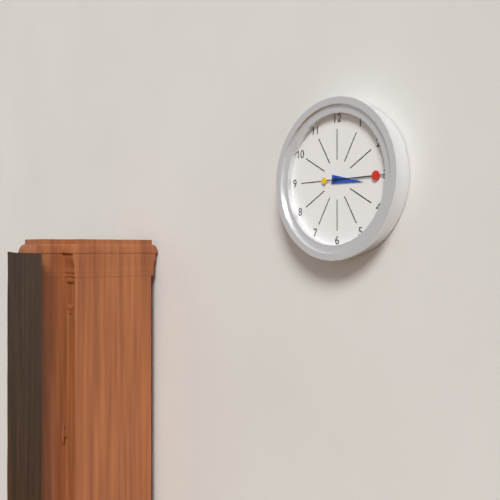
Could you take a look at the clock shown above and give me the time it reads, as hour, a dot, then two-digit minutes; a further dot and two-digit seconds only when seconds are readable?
3.15
